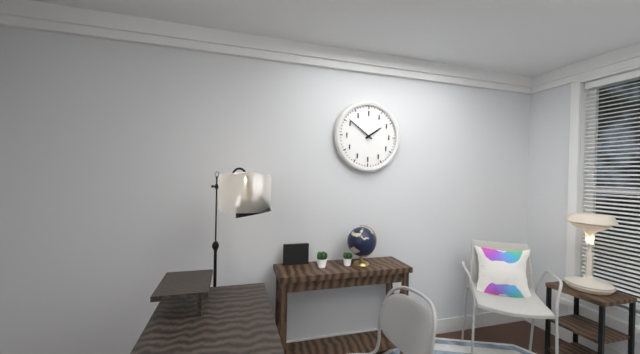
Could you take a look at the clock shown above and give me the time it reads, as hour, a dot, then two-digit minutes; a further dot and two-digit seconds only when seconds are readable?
1.51
